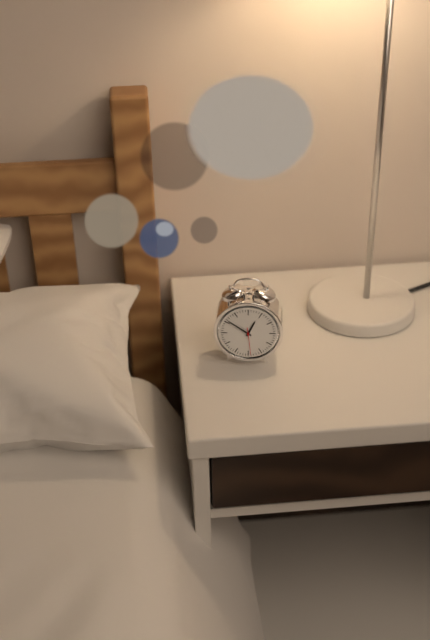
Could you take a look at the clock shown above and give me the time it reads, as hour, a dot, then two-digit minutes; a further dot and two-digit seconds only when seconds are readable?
12.51
